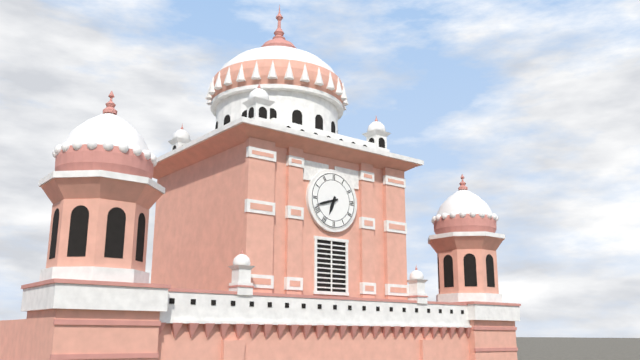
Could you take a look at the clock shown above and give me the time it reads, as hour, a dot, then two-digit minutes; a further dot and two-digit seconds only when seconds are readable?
6.42
